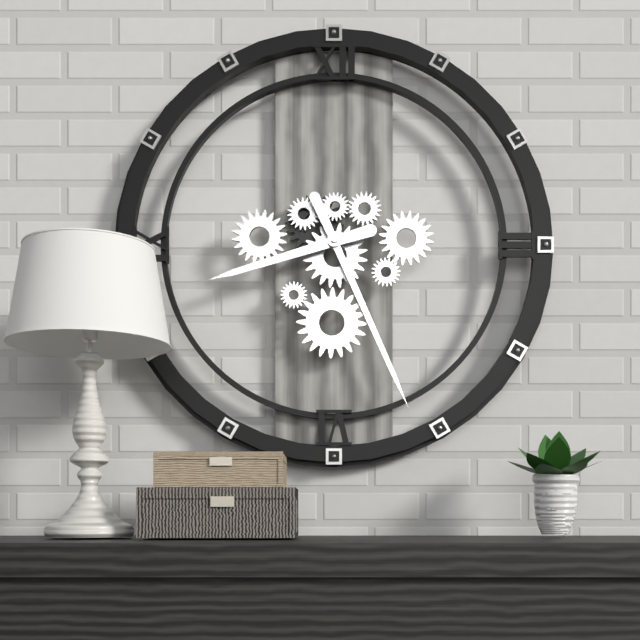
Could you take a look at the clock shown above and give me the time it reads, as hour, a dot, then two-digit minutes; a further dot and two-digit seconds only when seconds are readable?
8.26
